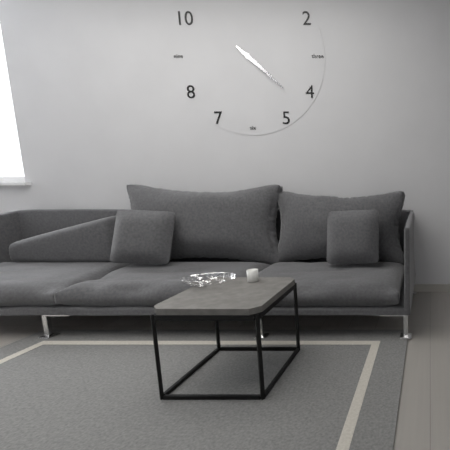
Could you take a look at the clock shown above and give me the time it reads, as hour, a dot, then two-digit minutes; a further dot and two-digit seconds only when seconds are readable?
4.22
